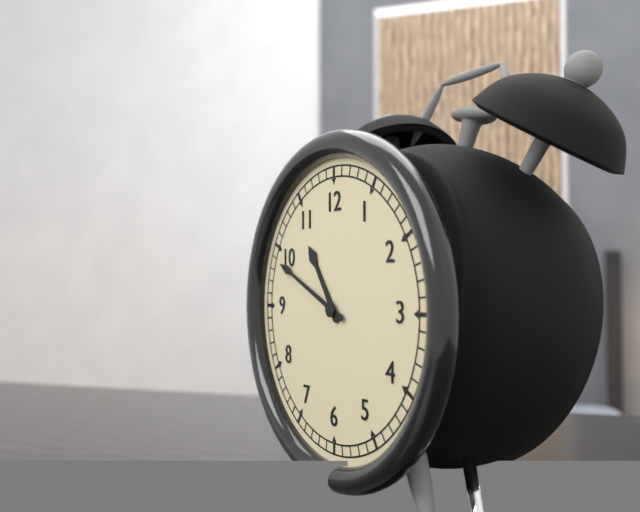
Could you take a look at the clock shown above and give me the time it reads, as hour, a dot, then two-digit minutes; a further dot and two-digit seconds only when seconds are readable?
10.49
